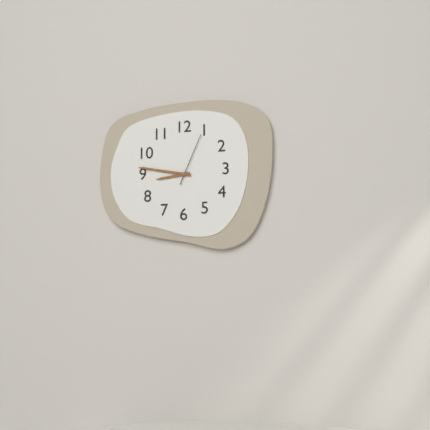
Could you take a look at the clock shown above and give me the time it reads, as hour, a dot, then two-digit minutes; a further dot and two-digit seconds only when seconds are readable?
8.47.04
